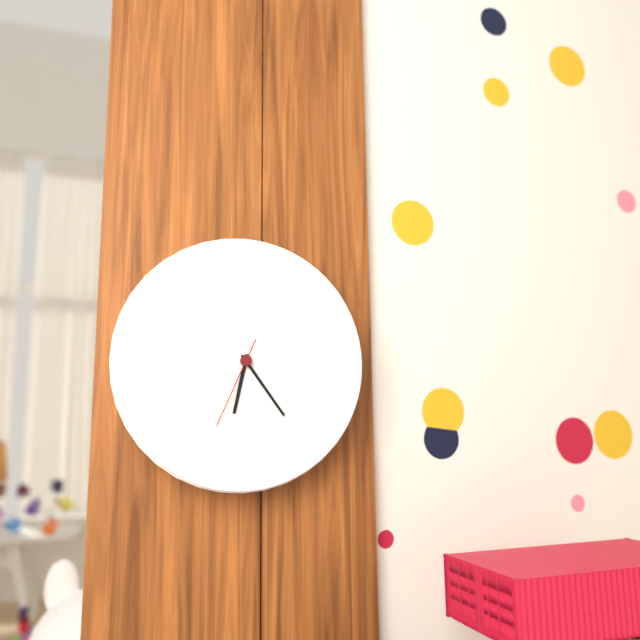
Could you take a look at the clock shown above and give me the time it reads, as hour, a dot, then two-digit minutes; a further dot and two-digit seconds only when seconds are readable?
6.24.34
